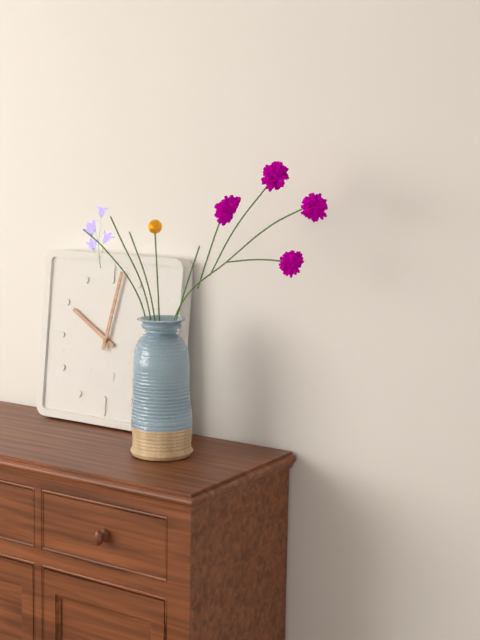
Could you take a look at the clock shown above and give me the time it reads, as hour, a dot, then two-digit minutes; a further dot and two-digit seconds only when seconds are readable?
10.02
